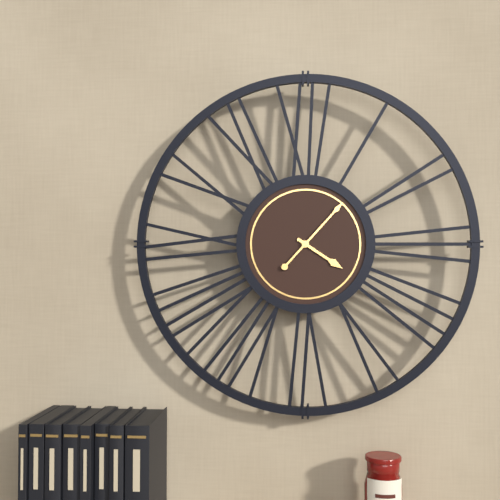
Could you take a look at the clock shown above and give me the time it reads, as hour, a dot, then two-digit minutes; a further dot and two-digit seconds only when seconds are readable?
4.07
